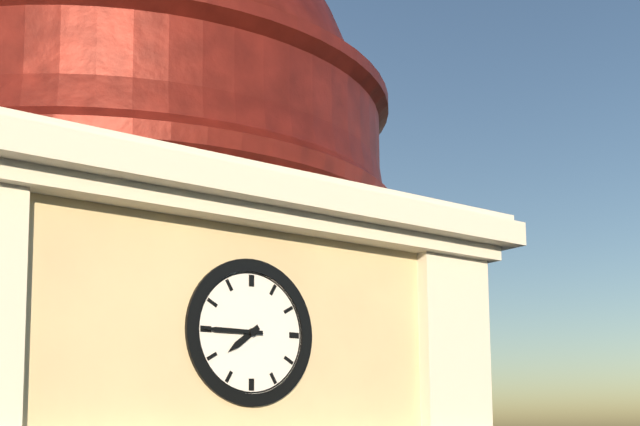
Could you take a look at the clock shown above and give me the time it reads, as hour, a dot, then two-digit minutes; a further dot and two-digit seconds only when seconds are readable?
7.45
